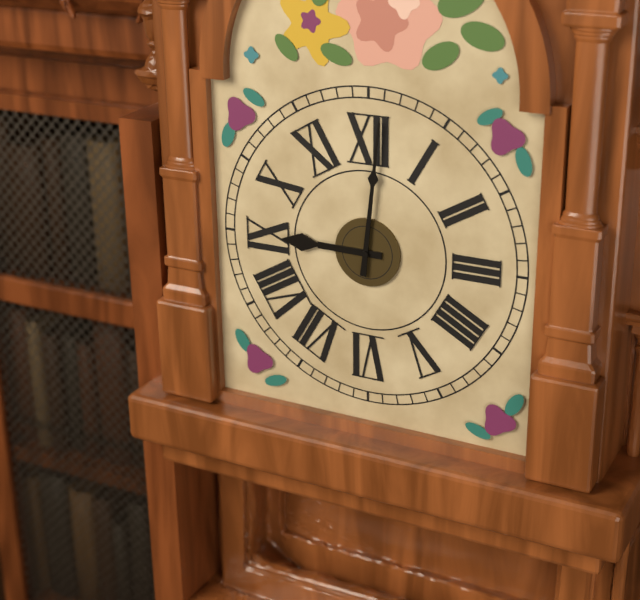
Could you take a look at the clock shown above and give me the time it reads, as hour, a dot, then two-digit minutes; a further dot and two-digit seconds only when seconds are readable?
9.01
